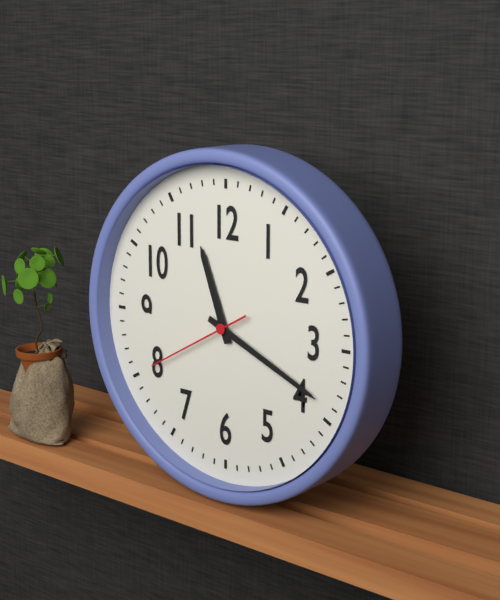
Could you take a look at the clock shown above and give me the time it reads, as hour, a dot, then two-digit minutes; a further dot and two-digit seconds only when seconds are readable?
11.19.40
